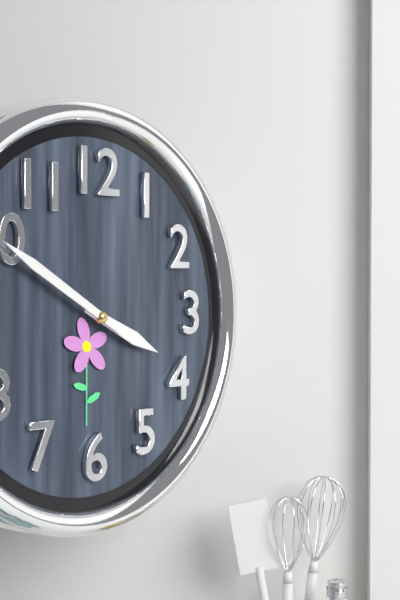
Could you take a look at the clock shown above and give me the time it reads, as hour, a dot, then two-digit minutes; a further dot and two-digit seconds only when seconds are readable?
3.50
